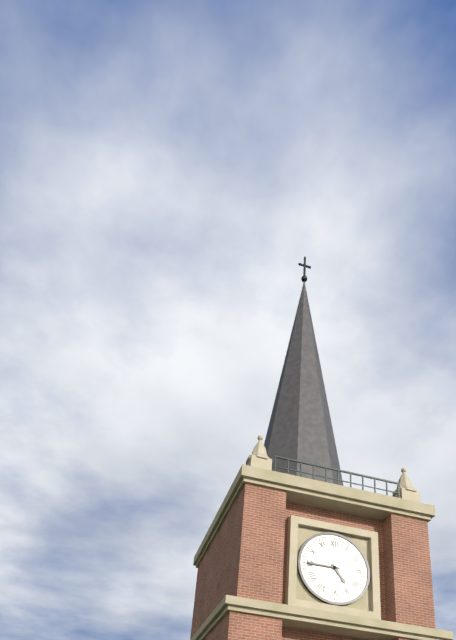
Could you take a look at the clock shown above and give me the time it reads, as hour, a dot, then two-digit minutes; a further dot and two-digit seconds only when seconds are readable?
4.45
